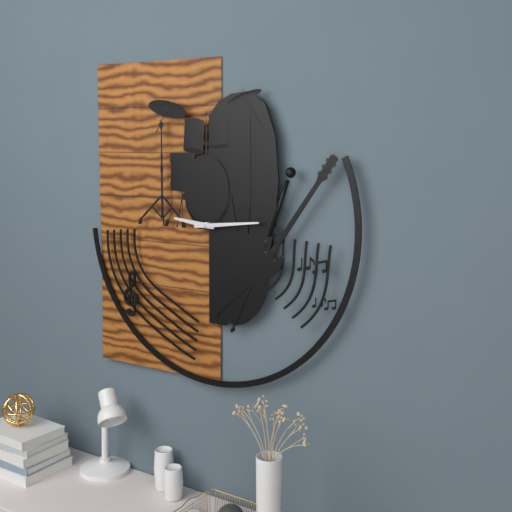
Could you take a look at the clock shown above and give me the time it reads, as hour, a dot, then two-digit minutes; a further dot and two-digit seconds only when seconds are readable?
9.14
